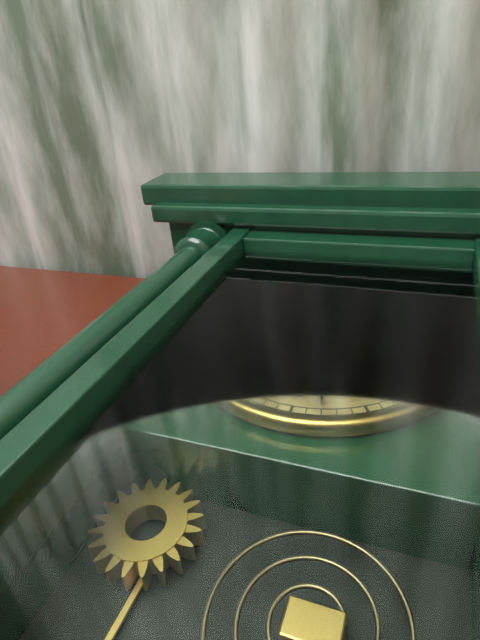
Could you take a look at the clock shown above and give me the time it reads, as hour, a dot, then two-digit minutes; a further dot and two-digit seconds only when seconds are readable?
7.28
